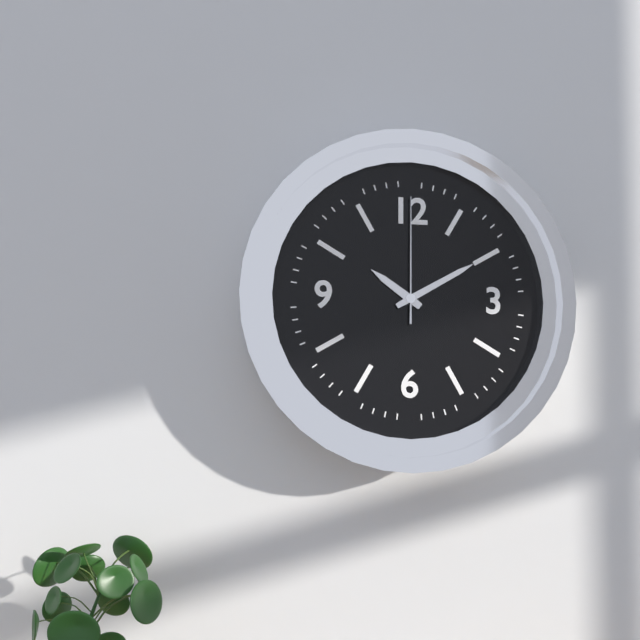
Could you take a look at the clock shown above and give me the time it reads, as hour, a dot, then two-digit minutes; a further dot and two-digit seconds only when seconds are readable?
10.10.00
